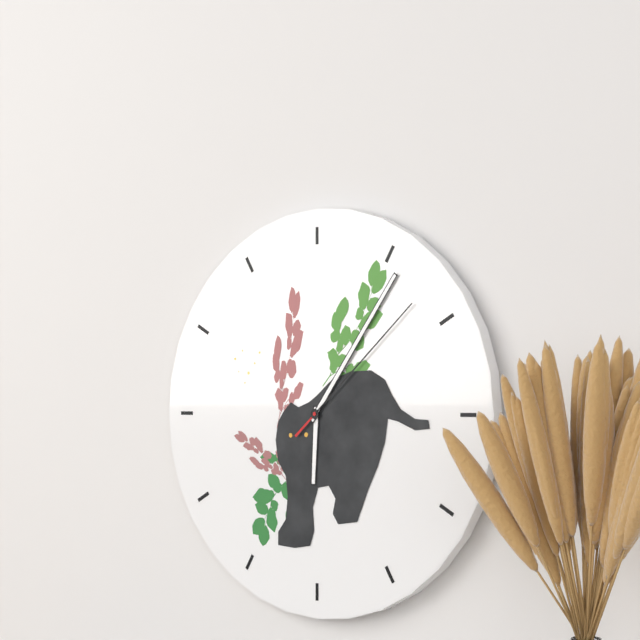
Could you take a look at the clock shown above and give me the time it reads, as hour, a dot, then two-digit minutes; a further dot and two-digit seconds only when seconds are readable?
6.06.08
